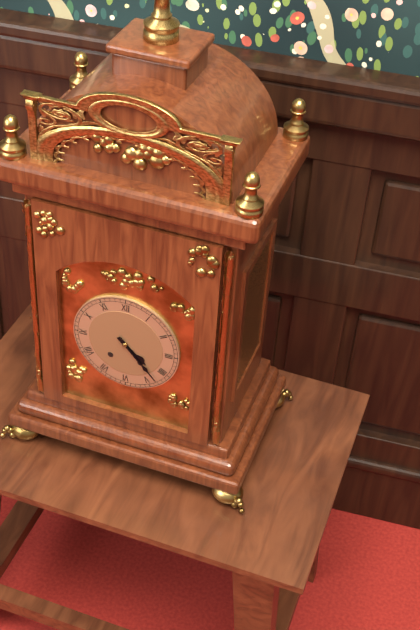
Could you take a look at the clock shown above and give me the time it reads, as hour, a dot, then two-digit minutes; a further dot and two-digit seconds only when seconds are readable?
4.23
